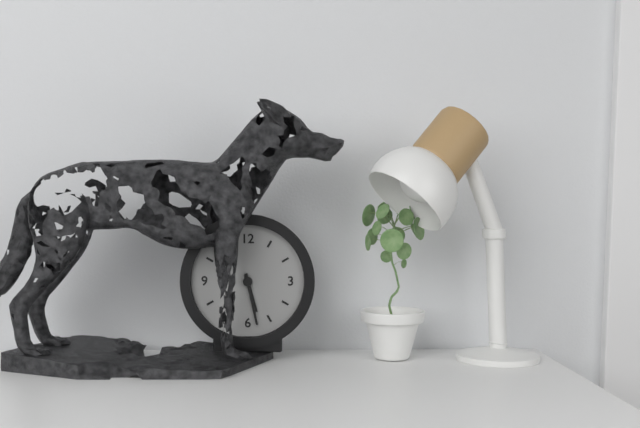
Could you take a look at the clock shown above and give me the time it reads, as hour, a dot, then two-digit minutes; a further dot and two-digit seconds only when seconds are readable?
5.28
